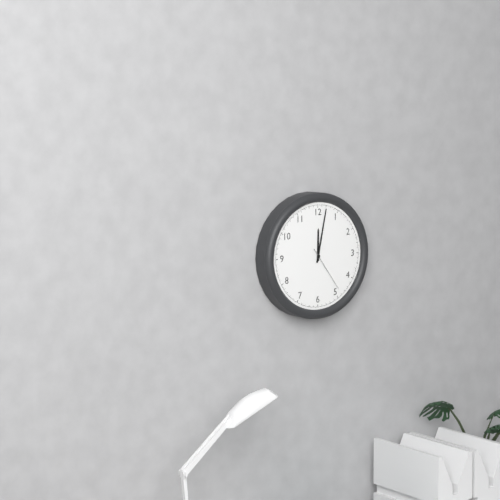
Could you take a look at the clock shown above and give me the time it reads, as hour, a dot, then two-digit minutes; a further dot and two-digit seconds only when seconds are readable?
12.02
